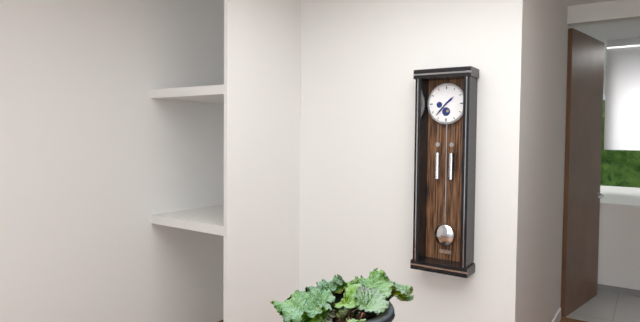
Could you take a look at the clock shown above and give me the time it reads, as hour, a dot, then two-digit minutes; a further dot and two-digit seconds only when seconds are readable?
1.37
